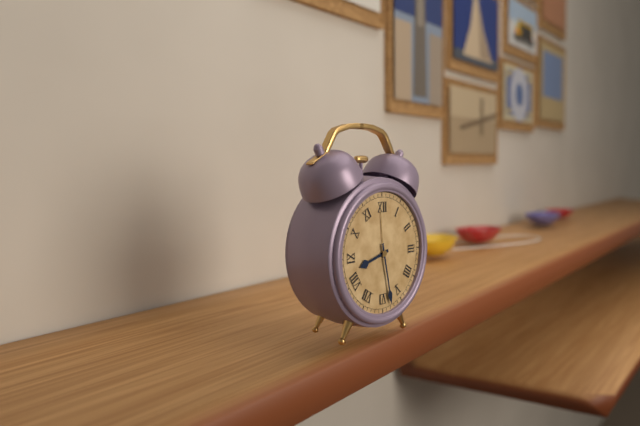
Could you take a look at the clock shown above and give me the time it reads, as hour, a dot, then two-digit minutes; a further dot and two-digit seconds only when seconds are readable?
8.28
